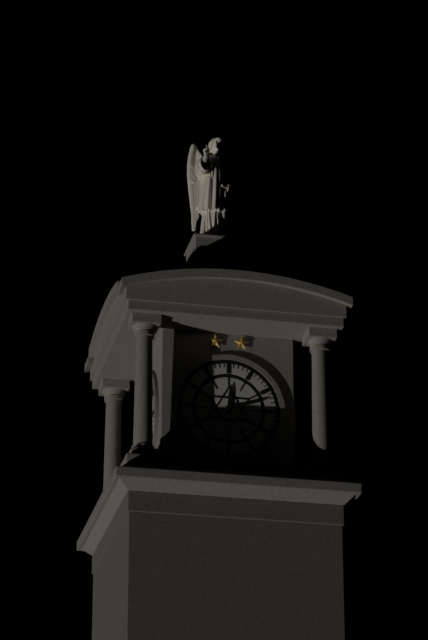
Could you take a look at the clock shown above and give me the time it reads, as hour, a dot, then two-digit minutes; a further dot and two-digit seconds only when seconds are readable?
12.12
